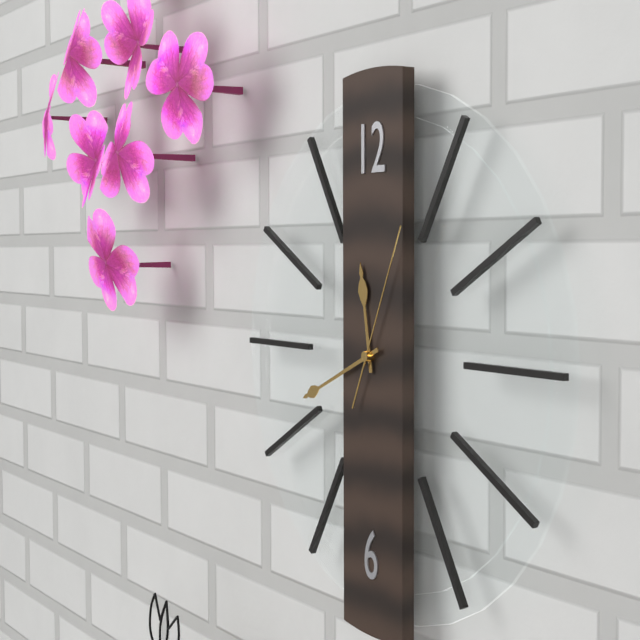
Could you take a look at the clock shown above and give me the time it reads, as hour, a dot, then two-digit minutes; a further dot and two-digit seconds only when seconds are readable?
11.41.04
